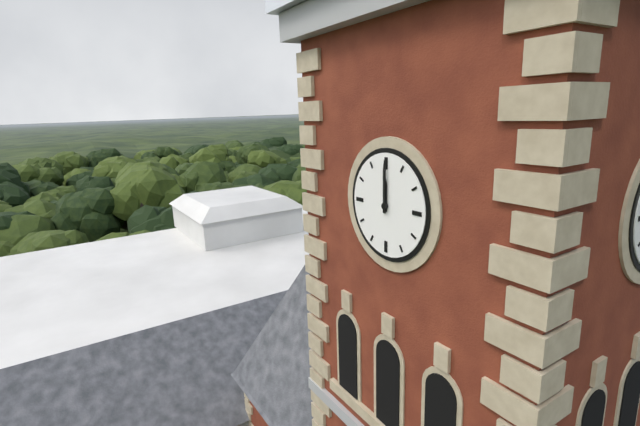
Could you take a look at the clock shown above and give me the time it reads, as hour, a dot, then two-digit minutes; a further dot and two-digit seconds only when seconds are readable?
12.00
